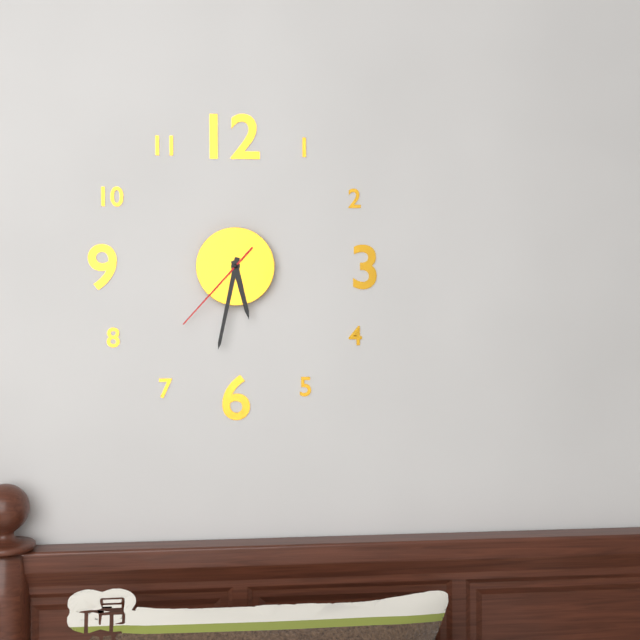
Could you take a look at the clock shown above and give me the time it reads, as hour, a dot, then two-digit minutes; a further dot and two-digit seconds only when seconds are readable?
5.32.37
